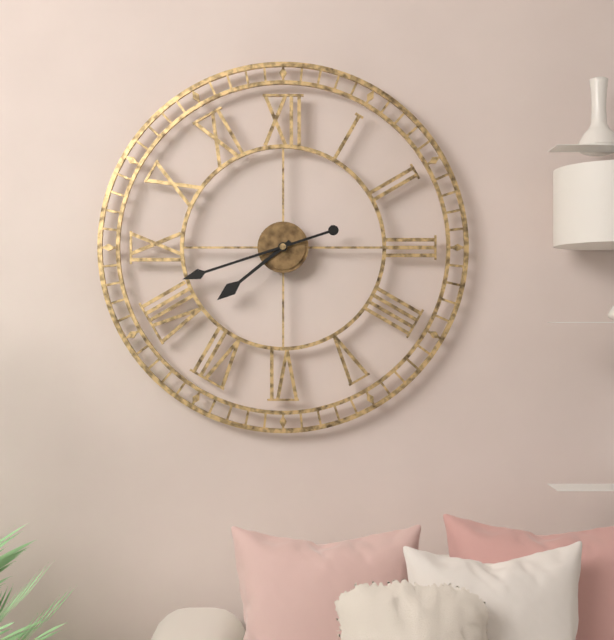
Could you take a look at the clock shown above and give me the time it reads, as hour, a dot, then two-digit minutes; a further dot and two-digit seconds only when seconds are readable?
7.42
